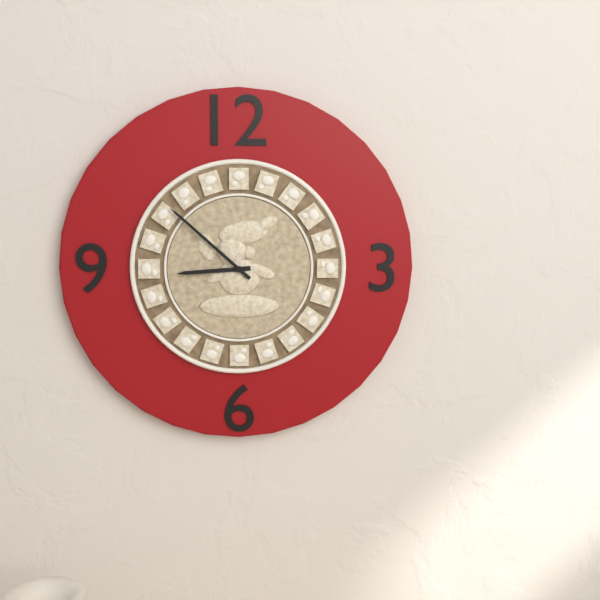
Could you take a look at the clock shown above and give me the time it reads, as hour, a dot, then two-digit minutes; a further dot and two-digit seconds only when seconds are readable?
8.52
